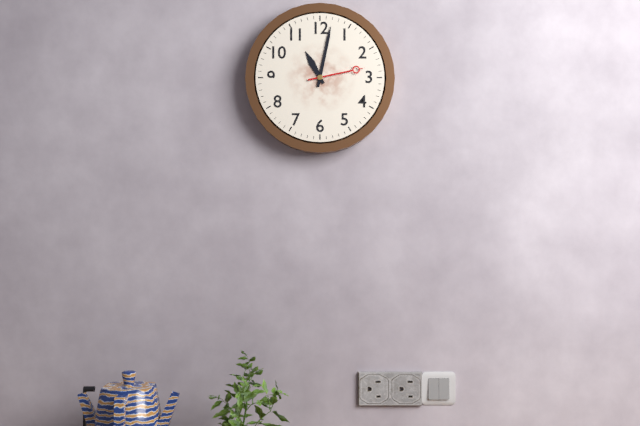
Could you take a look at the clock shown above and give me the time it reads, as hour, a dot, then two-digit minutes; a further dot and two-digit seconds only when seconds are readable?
11.02.13
